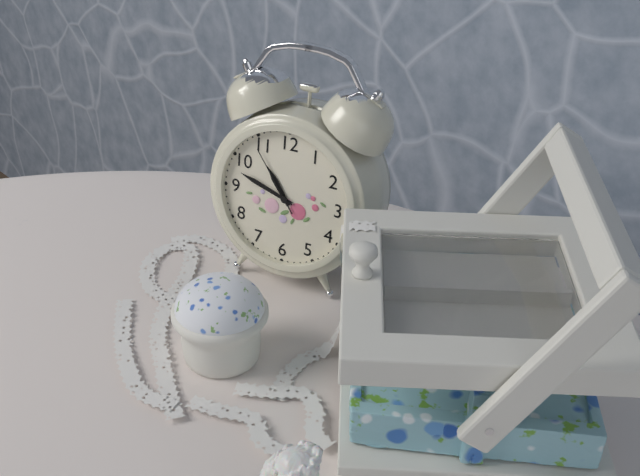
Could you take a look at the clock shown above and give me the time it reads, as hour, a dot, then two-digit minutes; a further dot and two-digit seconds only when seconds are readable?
10.48.54
